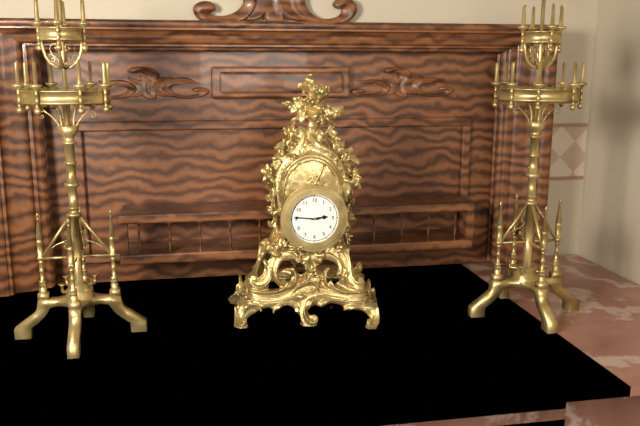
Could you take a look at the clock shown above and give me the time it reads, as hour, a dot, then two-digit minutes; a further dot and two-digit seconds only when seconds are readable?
2.46
